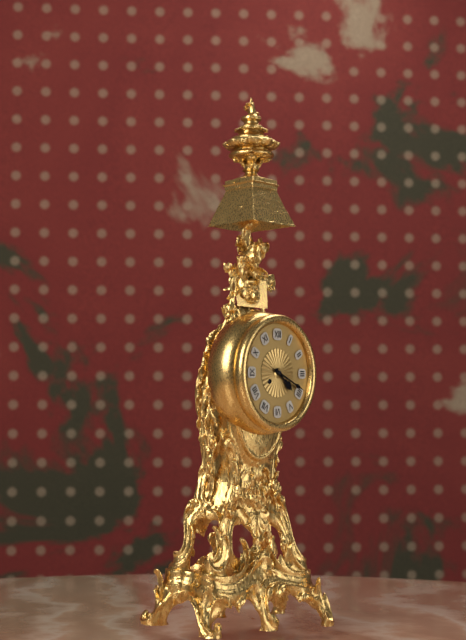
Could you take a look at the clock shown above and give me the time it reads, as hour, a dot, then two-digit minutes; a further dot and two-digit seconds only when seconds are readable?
4.19
